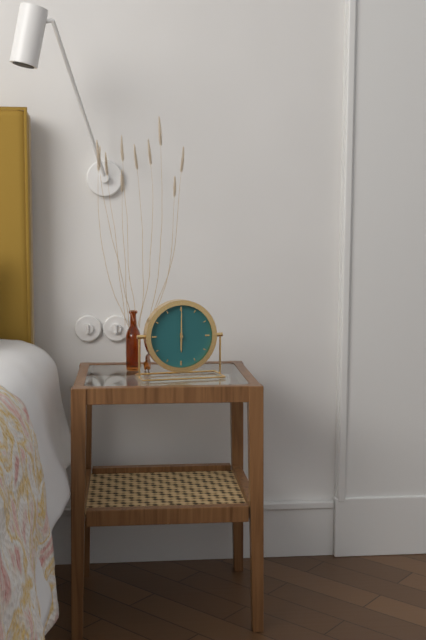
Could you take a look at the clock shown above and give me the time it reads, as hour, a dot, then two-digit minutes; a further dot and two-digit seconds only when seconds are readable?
6.00
